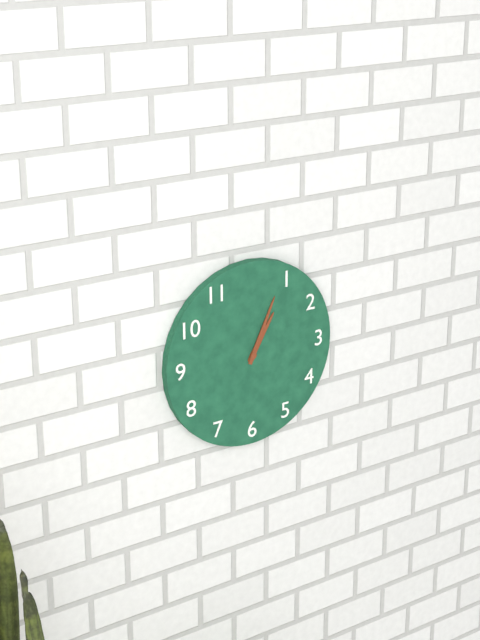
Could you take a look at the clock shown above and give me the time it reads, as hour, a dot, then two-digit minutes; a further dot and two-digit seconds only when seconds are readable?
1.04
